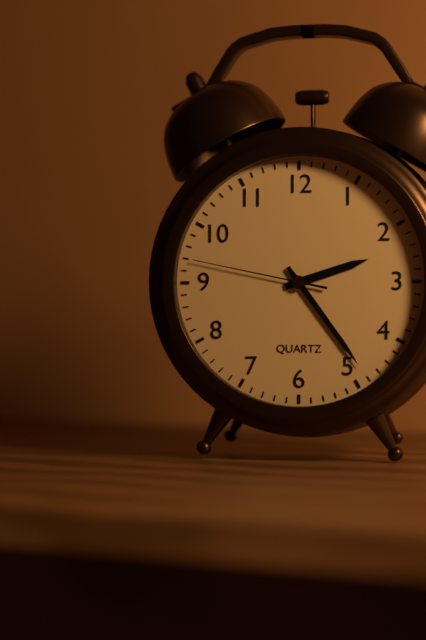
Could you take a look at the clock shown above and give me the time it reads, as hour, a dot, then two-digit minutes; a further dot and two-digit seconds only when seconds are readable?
2.24.47
